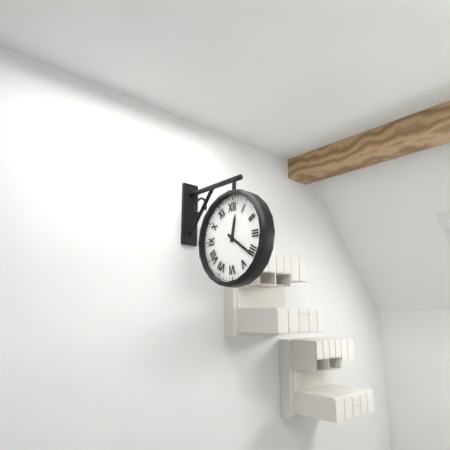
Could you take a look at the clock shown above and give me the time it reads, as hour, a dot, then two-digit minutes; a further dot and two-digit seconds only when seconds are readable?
12.21
